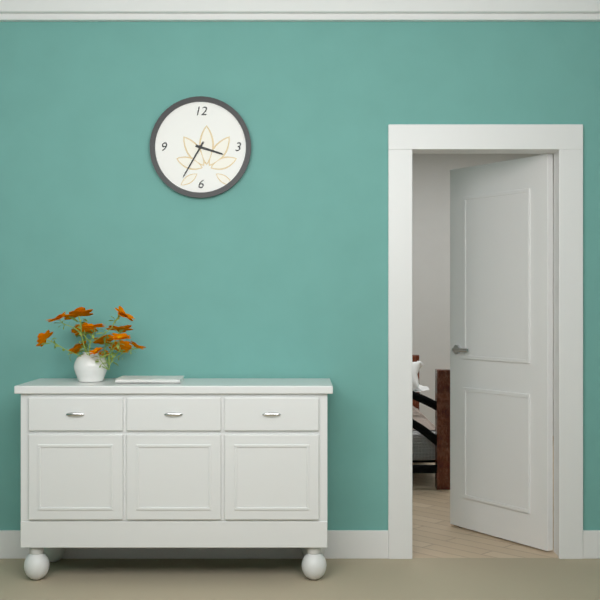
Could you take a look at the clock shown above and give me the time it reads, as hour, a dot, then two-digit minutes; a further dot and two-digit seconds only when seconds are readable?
3.35
